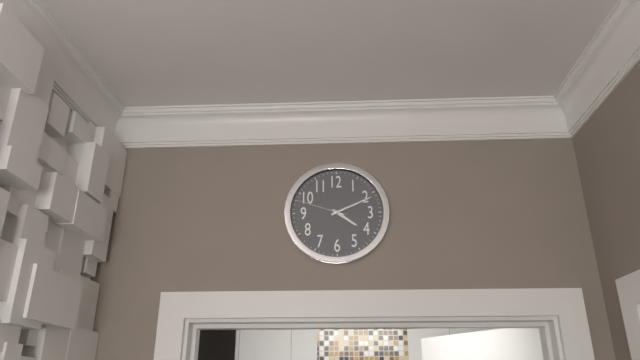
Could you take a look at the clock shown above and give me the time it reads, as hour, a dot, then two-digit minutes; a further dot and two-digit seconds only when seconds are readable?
4.11.48
